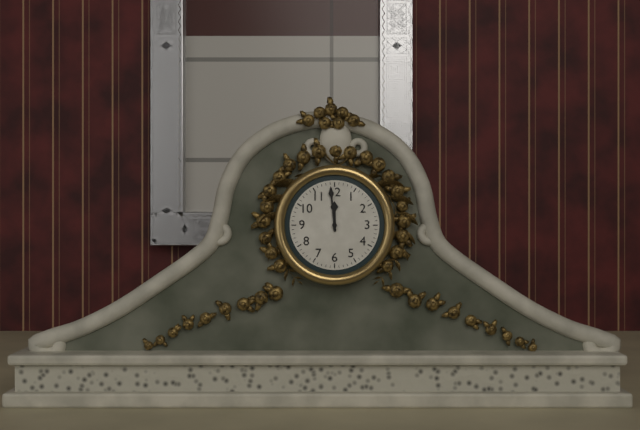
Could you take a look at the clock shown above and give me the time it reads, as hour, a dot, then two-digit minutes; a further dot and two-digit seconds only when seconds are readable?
11.59
